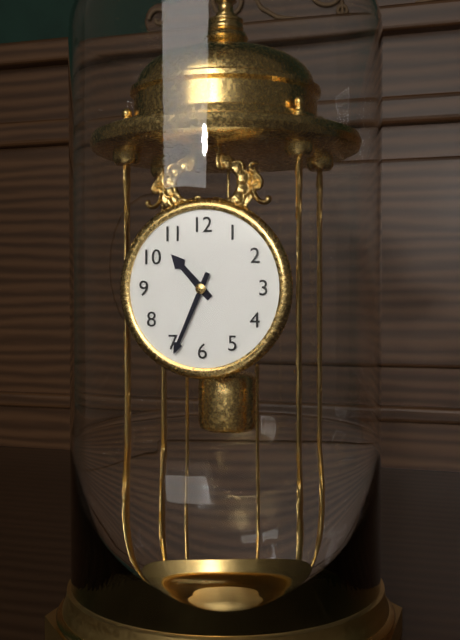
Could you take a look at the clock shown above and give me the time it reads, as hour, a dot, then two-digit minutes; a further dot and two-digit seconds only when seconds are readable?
10.34
